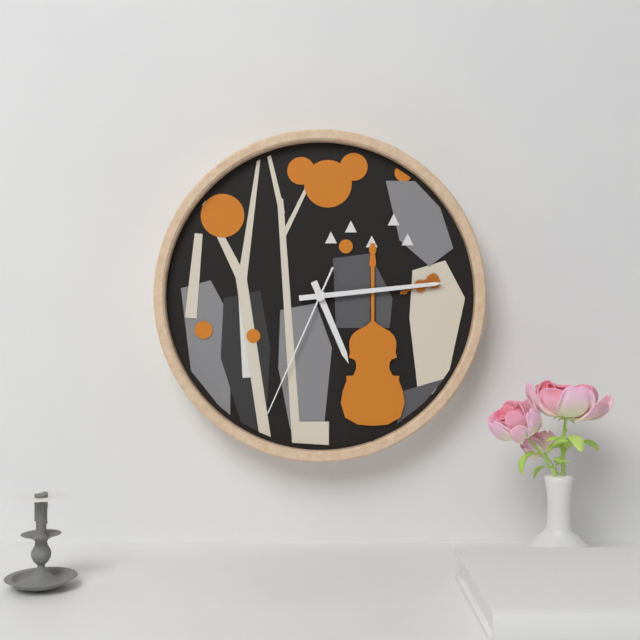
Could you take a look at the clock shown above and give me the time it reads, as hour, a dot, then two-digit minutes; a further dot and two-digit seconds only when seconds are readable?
5.14.34
